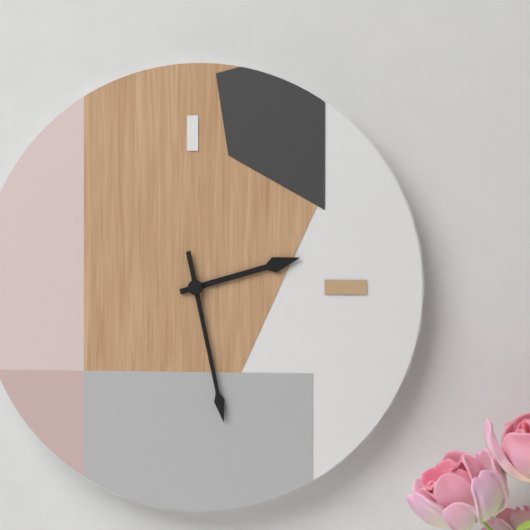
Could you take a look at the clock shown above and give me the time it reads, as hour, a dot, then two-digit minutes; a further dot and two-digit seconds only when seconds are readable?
2.28
